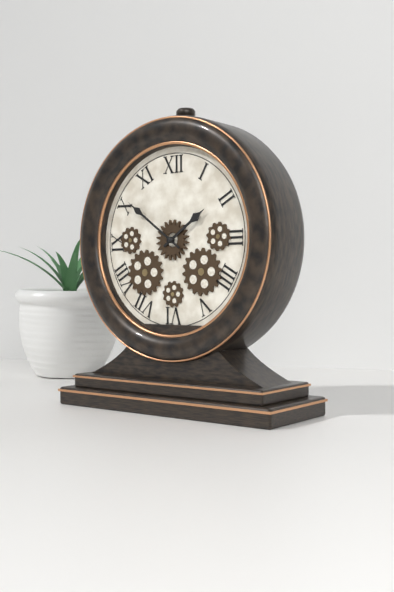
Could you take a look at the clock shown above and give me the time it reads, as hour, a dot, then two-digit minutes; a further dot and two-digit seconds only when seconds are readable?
1.51
